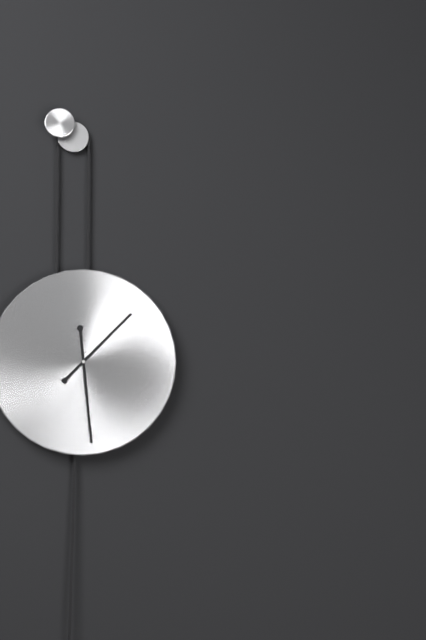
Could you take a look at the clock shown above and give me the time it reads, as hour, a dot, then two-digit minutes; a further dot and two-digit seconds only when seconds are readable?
1.29
